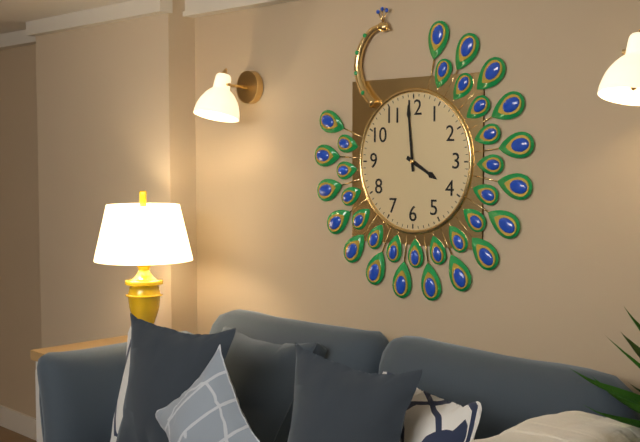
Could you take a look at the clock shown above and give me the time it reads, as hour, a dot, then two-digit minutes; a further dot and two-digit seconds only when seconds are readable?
3.59
